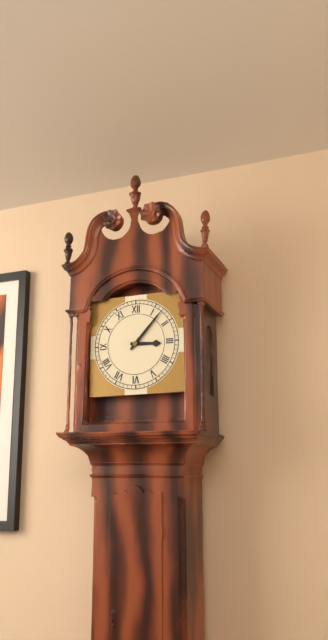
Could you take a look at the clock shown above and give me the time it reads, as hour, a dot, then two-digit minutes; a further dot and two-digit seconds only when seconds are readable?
3.07
